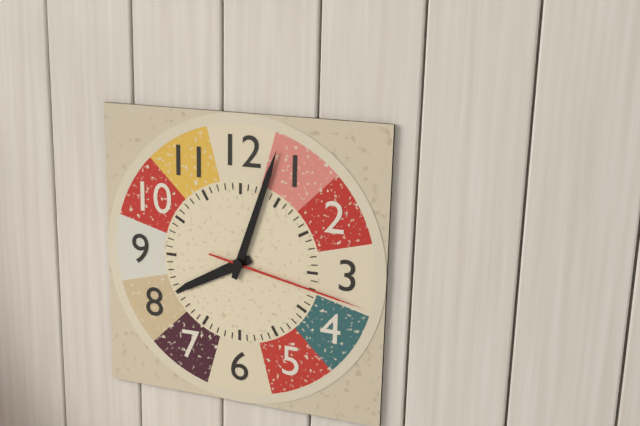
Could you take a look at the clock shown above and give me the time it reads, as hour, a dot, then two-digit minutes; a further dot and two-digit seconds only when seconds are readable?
8.03.17
